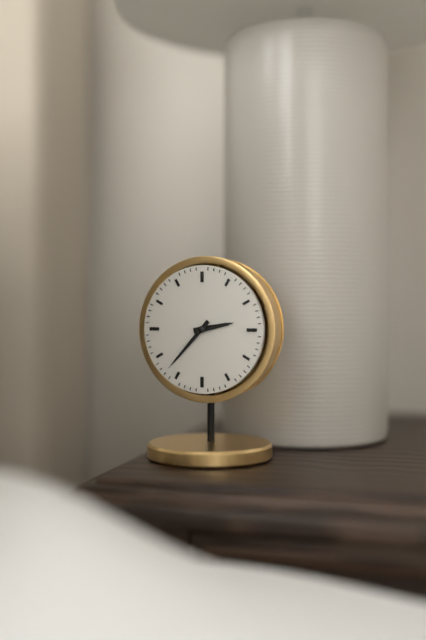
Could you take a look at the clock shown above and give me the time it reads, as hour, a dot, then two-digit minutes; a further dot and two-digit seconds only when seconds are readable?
2.37
